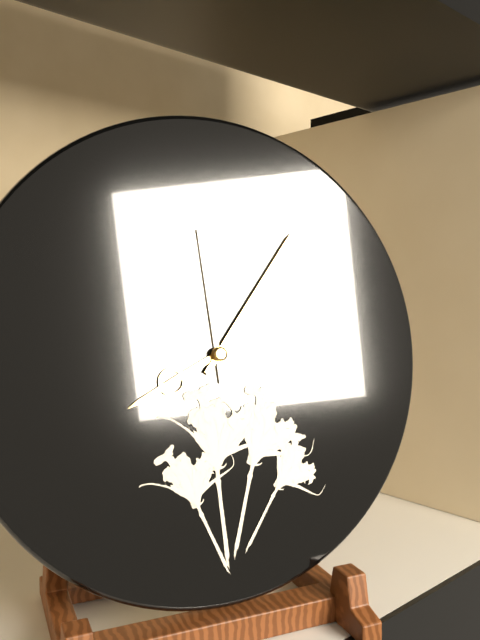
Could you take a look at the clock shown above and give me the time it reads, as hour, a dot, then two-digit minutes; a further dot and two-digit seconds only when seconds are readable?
8.06.59
